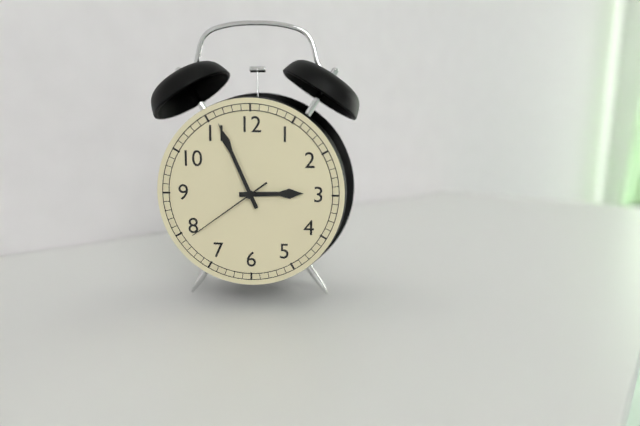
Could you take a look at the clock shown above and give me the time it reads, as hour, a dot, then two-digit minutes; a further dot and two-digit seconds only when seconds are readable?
2.56.39
